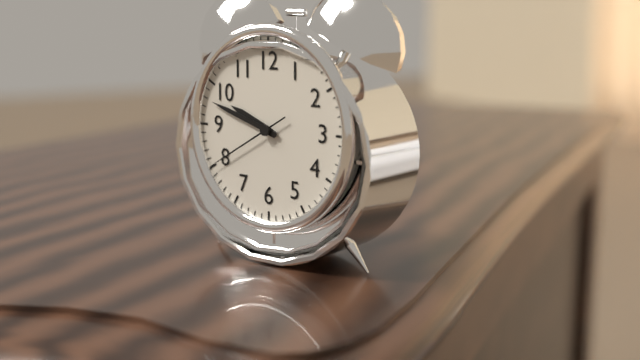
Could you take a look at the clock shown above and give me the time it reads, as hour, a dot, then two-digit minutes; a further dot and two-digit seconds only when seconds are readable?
9.48.40
